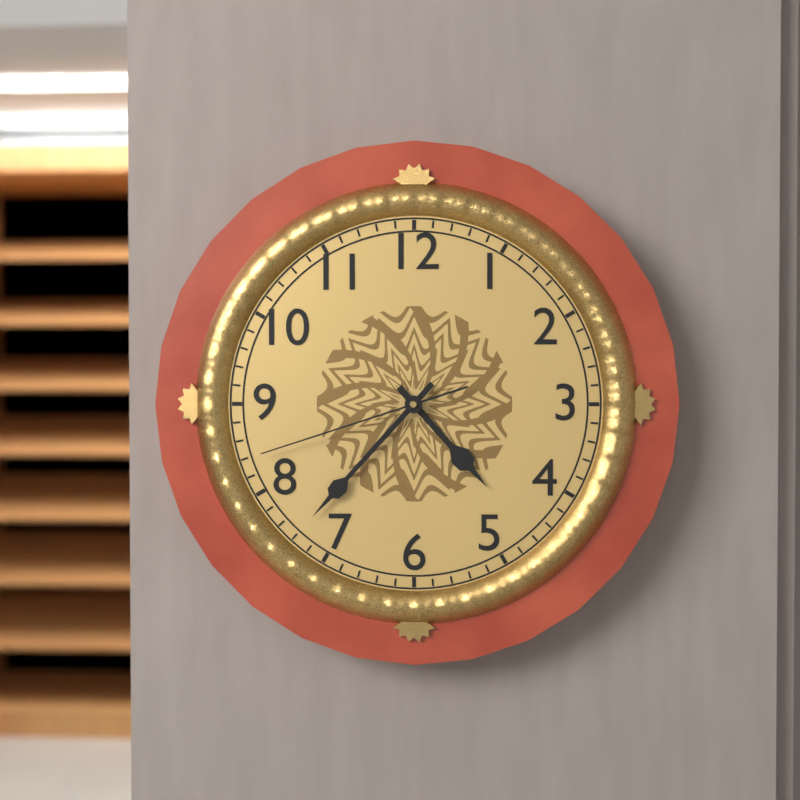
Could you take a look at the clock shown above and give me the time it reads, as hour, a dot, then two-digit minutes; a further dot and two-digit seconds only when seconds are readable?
4.37.42
